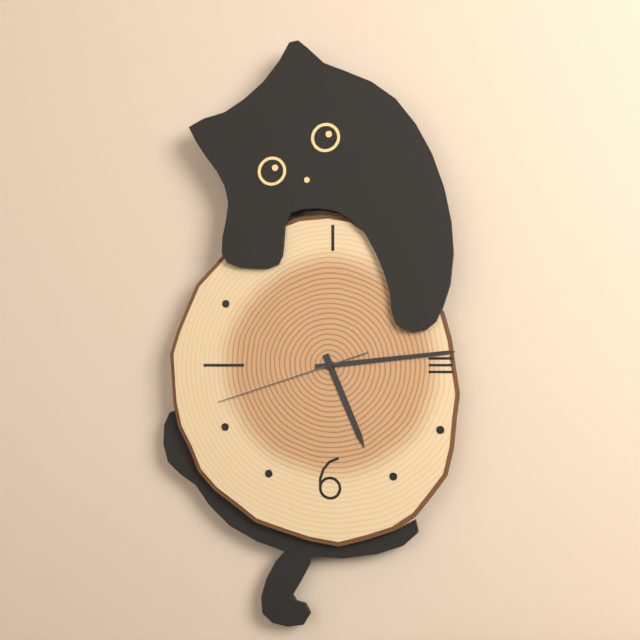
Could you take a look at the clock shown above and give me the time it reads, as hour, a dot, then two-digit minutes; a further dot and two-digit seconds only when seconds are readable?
5.14.42
